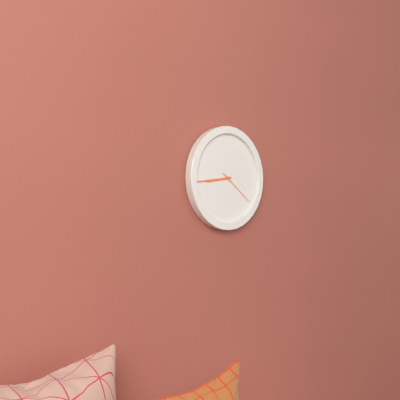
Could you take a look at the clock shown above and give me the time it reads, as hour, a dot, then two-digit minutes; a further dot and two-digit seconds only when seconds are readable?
8.44
